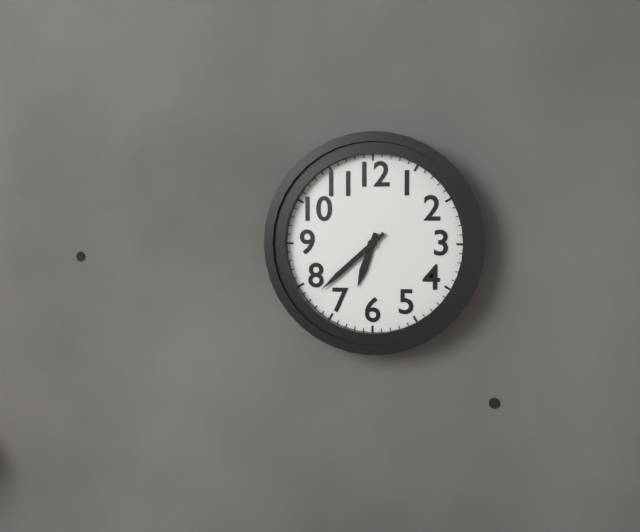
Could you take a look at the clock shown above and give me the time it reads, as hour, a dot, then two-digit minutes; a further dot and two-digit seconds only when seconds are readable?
6.38
